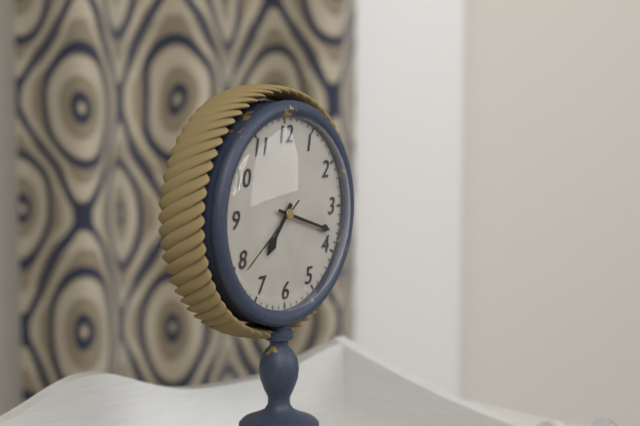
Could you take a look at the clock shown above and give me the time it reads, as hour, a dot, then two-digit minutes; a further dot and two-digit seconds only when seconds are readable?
7.18.39
